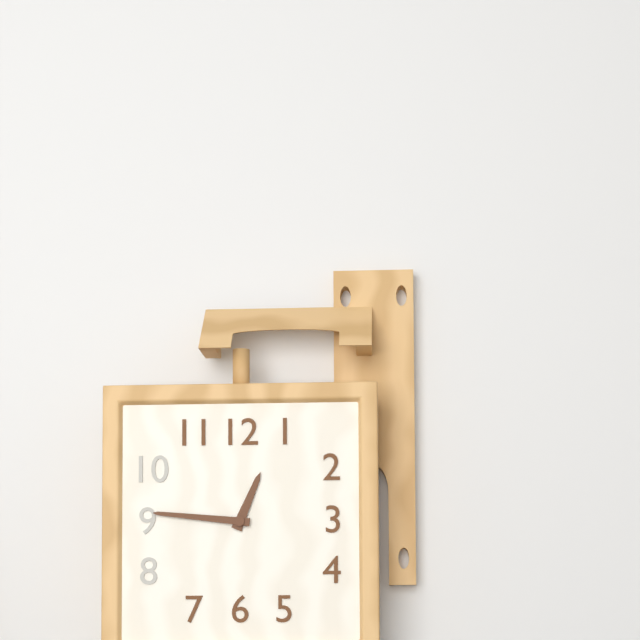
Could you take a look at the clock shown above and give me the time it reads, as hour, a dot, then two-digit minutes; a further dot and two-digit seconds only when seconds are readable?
12.46
